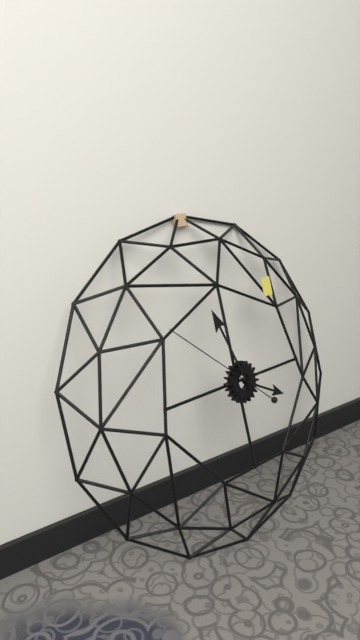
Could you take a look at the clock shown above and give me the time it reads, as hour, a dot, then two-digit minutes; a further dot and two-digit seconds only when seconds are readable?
3.57.52
